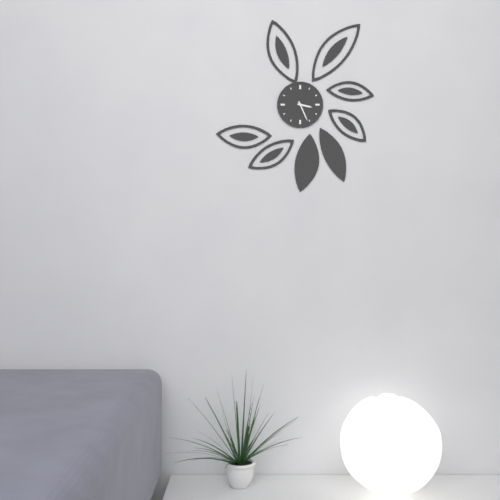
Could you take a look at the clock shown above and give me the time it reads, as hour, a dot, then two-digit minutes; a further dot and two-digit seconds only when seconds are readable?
3.26
